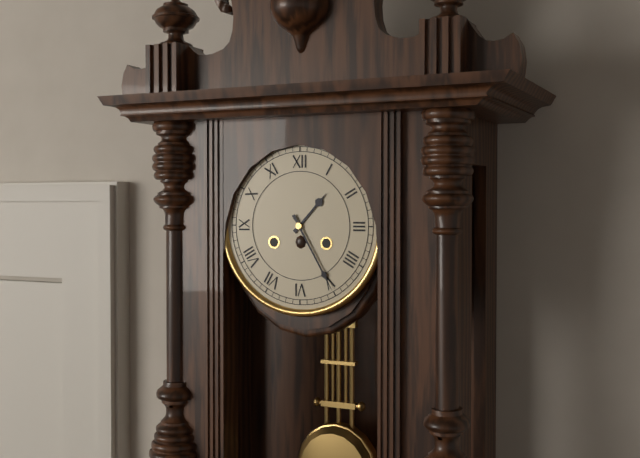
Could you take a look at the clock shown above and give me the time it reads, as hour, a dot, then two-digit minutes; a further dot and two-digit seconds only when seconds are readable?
1.25
